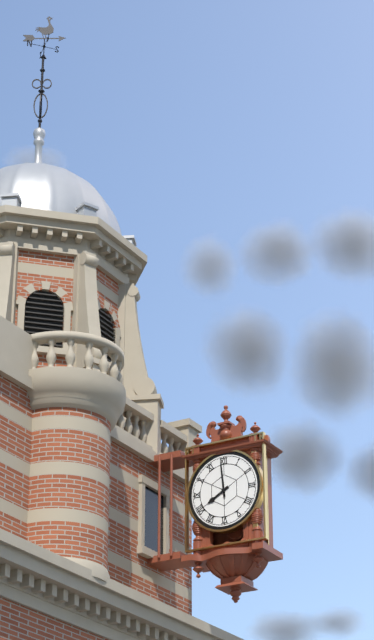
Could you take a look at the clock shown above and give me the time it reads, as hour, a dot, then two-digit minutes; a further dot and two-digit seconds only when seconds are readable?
7.59
